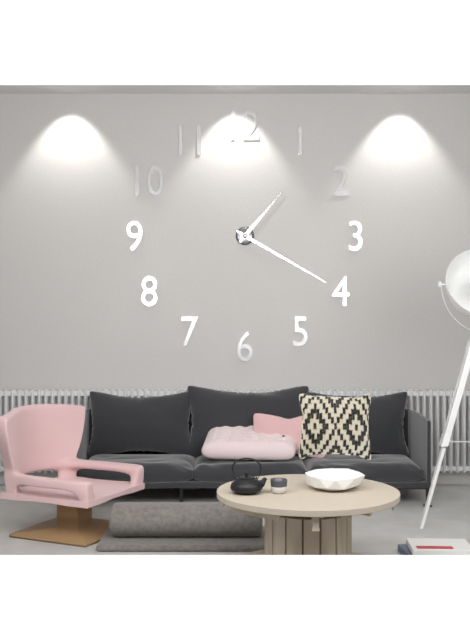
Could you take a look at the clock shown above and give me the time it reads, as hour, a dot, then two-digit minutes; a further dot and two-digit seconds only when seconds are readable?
1.20
